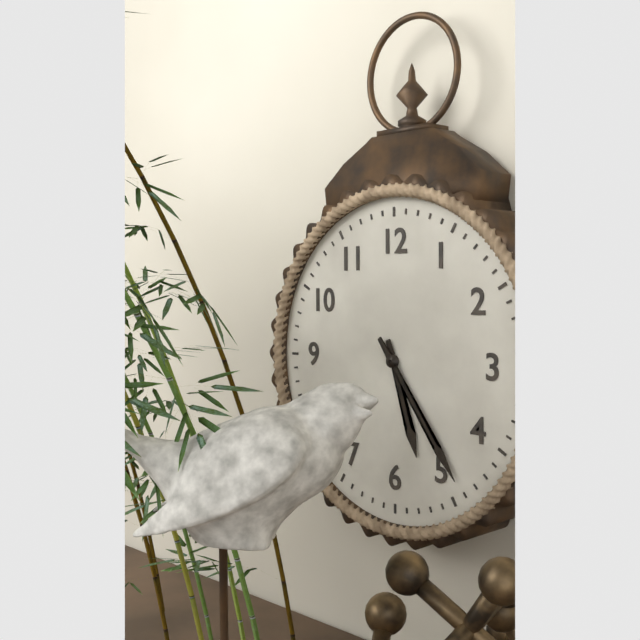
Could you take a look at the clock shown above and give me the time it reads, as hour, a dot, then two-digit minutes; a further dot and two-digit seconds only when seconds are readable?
5.24
